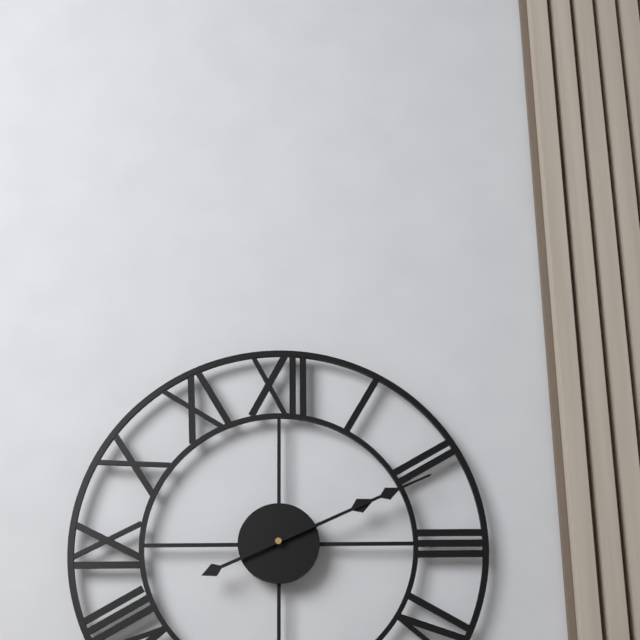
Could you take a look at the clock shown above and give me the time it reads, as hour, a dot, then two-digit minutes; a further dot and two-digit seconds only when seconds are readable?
2.11
